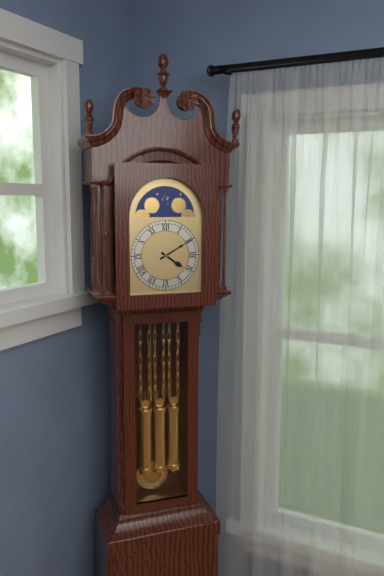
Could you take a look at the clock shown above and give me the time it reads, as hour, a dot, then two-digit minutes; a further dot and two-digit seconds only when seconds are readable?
4.10
